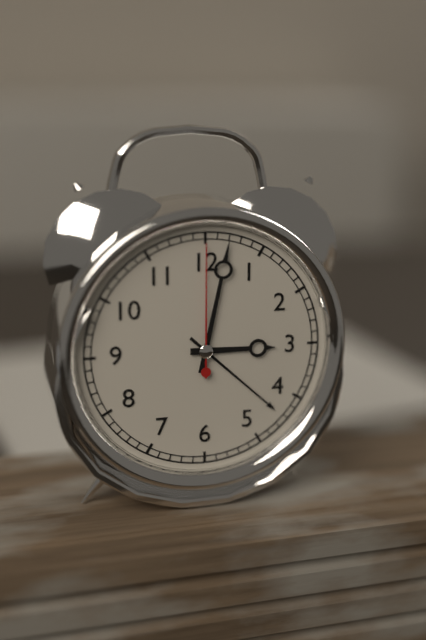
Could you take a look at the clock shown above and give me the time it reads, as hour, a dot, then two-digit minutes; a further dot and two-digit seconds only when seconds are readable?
3.02.00
